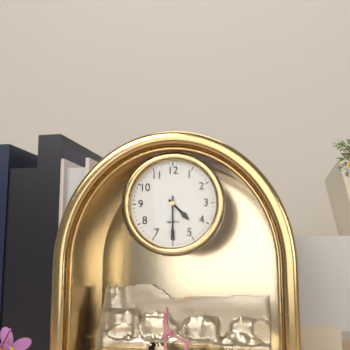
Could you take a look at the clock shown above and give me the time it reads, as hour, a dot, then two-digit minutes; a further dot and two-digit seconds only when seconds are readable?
4.30
